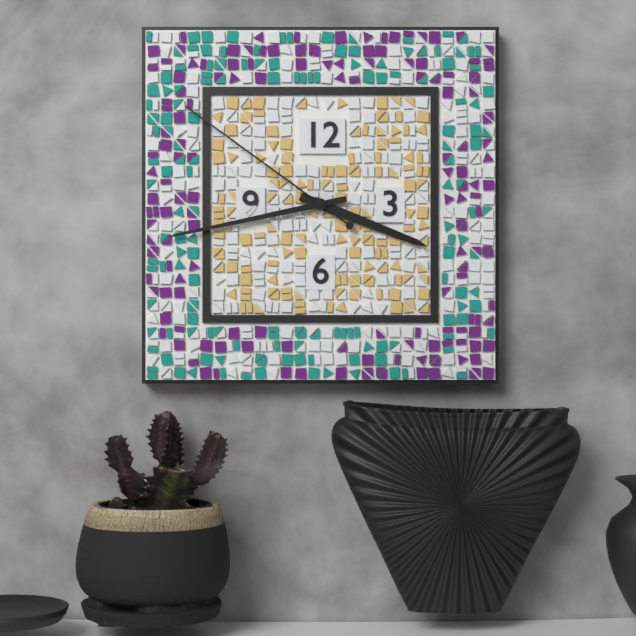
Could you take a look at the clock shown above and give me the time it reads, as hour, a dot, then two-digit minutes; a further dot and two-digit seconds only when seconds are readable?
3.43.51
